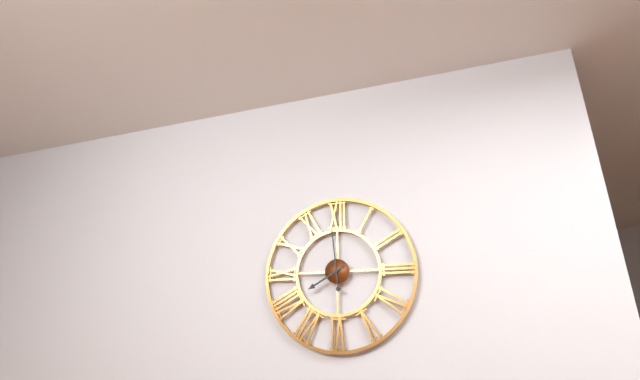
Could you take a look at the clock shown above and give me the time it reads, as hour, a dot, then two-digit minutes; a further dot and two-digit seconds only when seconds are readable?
7.59
